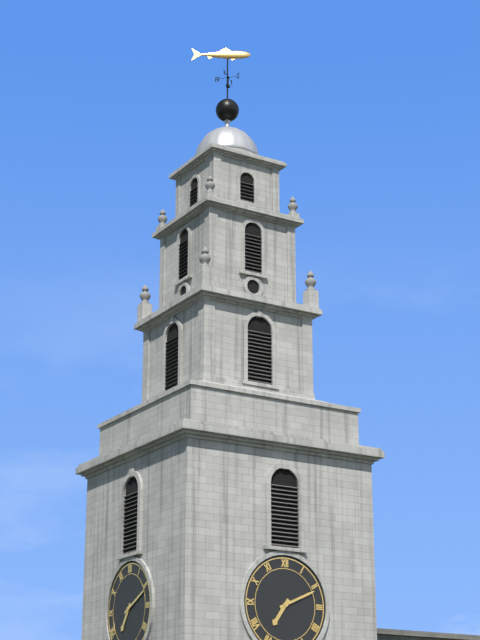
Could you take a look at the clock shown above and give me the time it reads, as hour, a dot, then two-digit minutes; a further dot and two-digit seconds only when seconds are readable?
7.11
